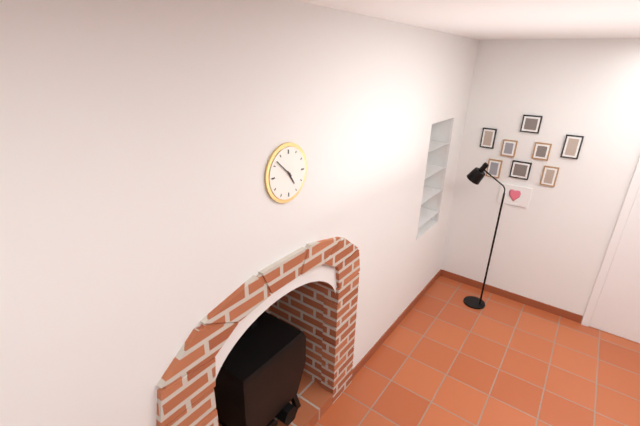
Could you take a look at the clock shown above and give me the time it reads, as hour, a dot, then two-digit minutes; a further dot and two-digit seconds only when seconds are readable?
4.52
